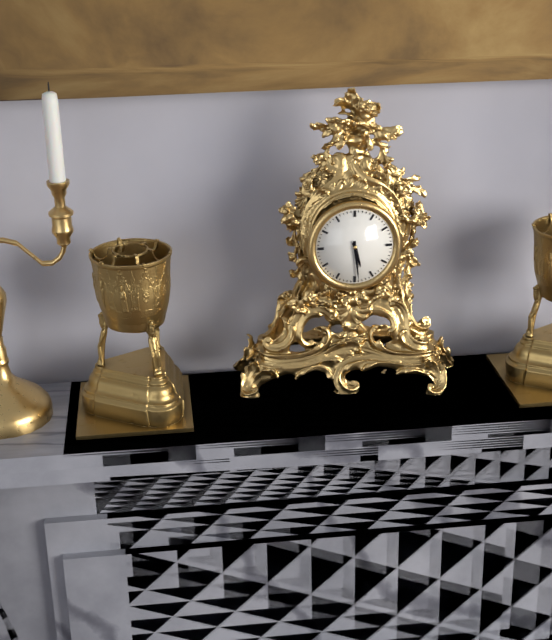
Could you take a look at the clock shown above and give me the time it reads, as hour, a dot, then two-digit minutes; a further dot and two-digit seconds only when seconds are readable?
5.29
